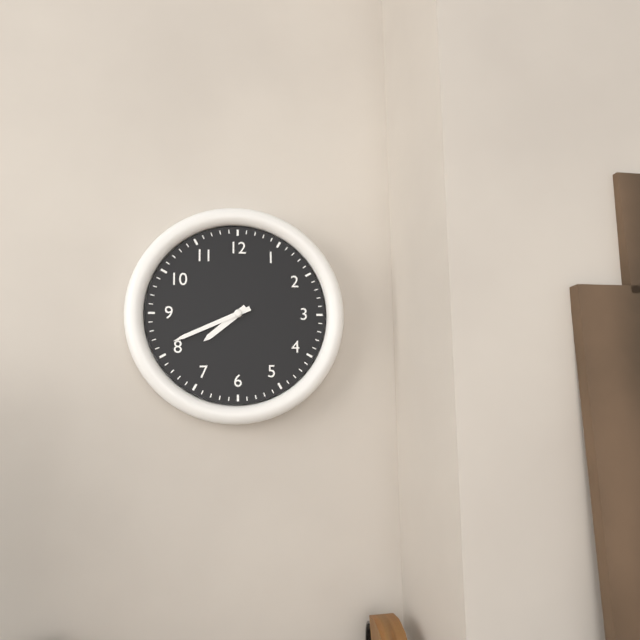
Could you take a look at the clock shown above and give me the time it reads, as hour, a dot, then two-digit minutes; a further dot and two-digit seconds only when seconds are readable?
7.41
